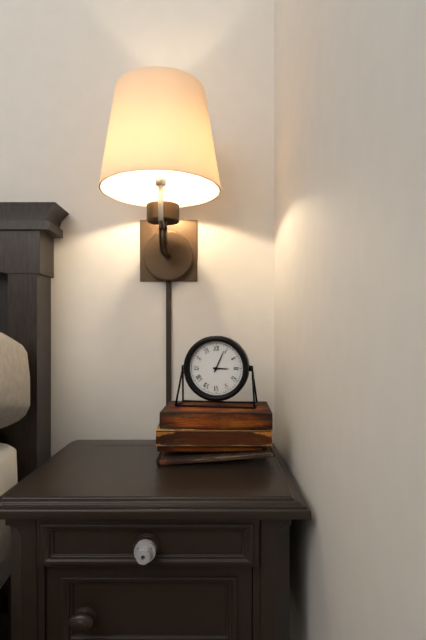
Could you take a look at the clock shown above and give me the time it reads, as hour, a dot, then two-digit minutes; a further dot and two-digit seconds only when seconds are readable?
3.04
